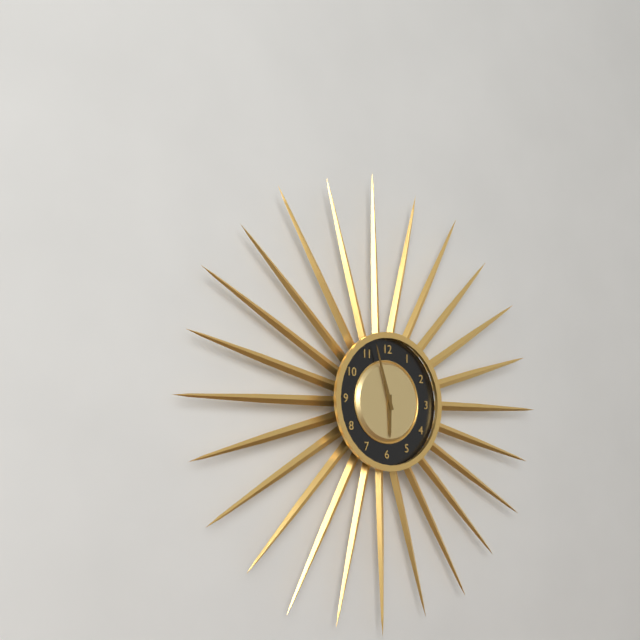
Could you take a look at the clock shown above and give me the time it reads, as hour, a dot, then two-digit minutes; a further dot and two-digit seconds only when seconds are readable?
5.57
